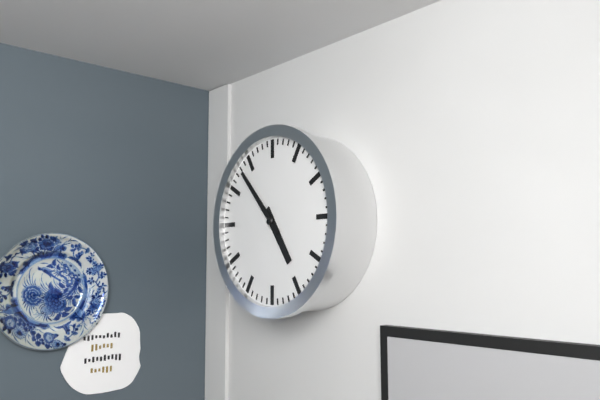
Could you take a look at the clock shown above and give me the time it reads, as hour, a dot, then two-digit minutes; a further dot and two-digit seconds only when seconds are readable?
4.53
